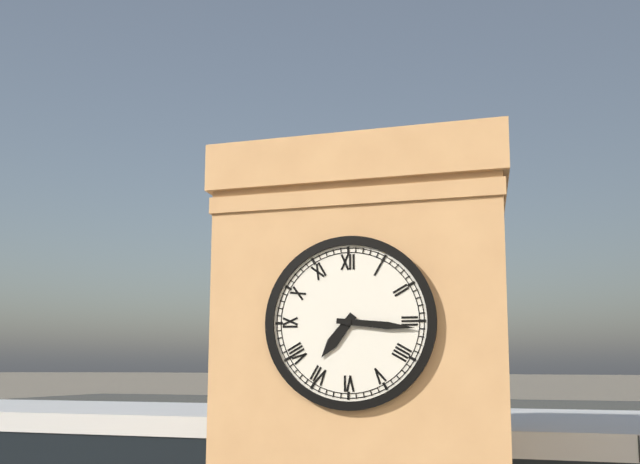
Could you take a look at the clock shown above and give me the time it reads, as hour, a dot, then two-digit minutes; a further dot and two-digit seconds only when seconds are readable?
7.16
